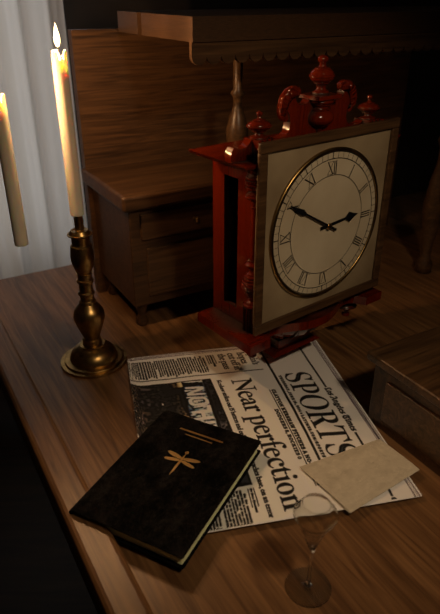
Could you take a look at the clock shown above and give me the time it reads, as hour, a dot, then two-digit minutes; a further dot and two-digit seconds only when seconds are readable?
2.50
